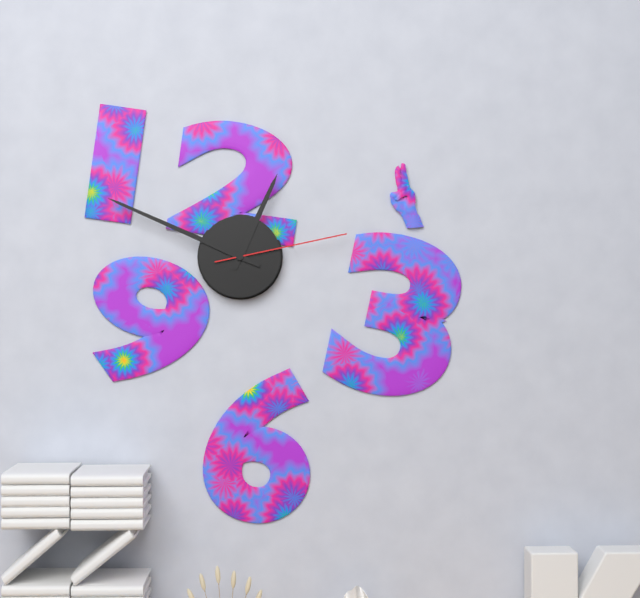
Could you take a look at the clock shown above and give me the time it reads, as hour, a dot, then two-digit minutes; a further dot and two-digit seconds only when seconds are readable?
12.49.13
